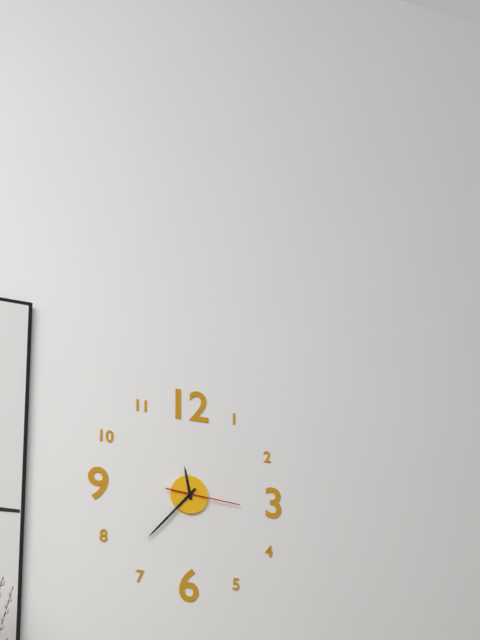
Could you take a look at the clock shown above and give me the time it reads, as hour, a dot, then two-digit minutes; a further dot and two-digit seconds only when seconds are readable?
11.37.16
